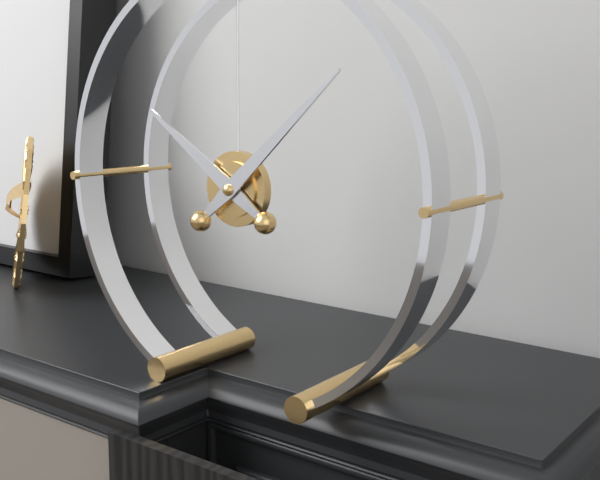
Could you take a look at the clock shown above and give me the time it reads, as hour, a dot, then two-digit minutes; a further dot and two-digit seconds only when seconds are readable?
10.08
